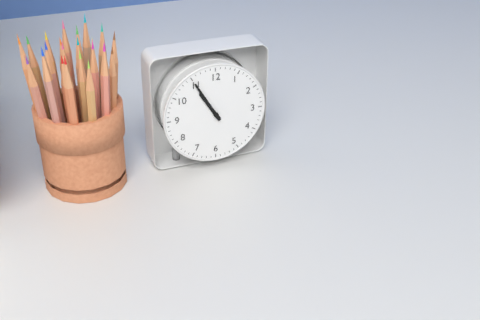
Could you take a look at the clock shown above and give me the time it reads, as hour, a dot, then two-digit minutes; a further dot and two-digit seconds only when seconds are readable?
10.55
